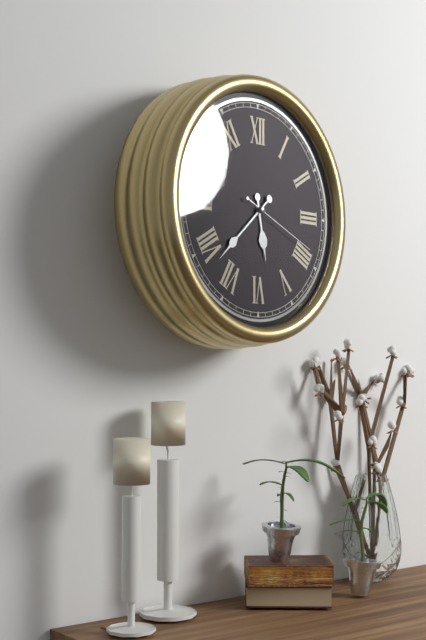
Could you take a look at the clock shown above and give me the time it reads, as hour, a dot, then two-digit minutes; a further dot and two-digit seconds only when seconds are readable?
5.38.19
